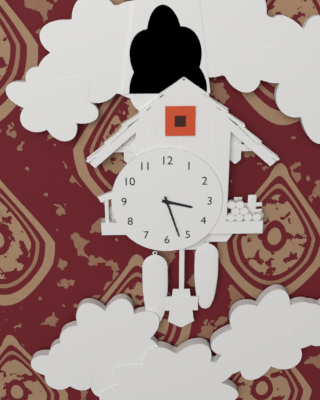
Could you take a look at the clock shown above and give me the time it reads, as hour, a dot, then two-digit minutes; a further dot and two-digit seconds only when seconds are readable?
3.27
